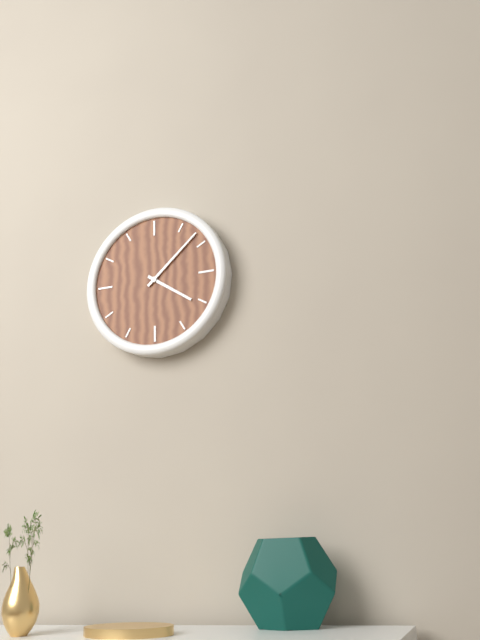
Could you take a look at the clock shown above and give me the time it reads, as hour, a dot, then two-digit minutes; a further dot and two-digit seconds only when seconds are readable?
4.08
